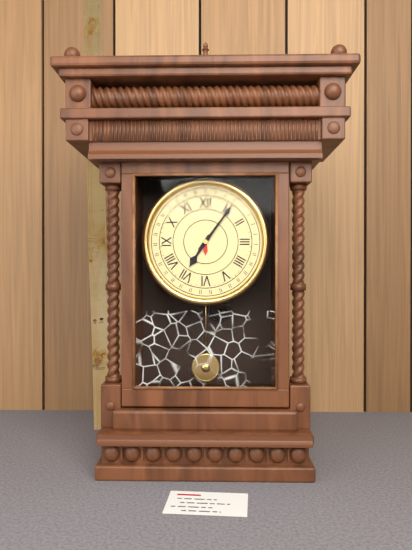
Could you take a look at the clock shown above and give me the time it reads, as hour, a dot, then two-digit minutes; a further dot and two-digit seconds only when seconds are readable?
7.06
